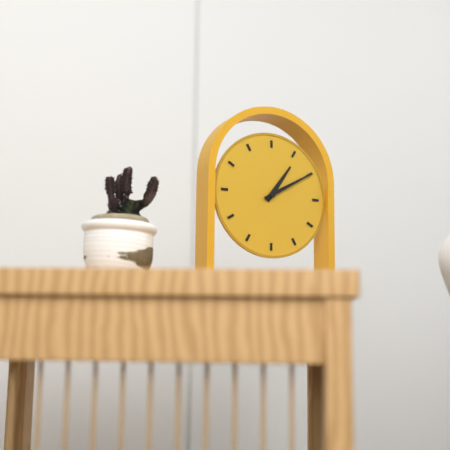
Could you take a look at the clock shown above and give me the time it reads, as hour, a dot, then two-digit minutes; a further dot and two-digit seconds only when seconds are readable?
1.10
